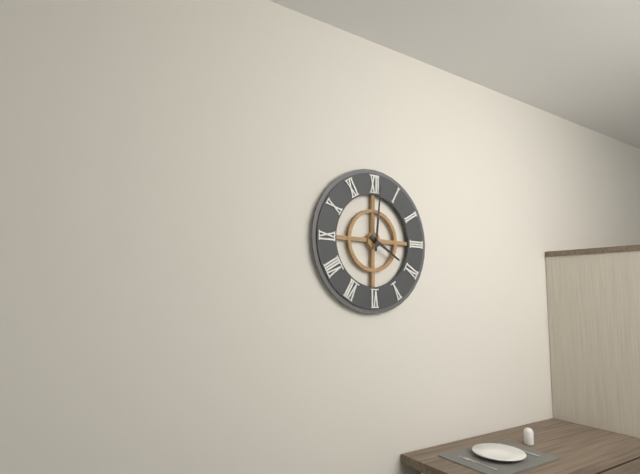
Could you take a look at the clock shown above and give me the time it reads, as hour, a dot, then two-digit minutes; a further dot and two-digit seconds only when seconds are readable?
4.01
